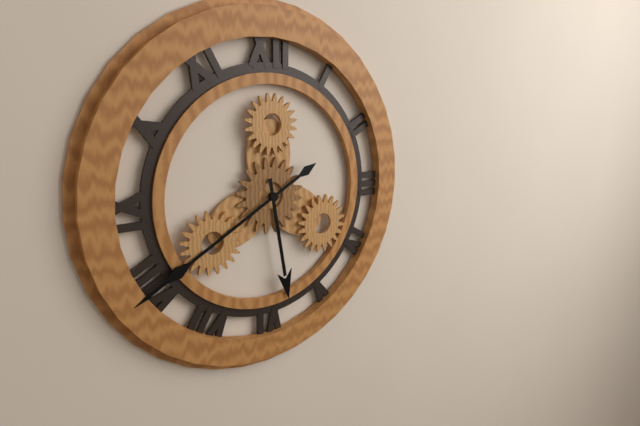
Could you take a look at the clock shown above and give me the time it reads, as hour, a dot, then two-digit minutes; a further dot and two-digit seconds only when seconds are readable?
5.40
